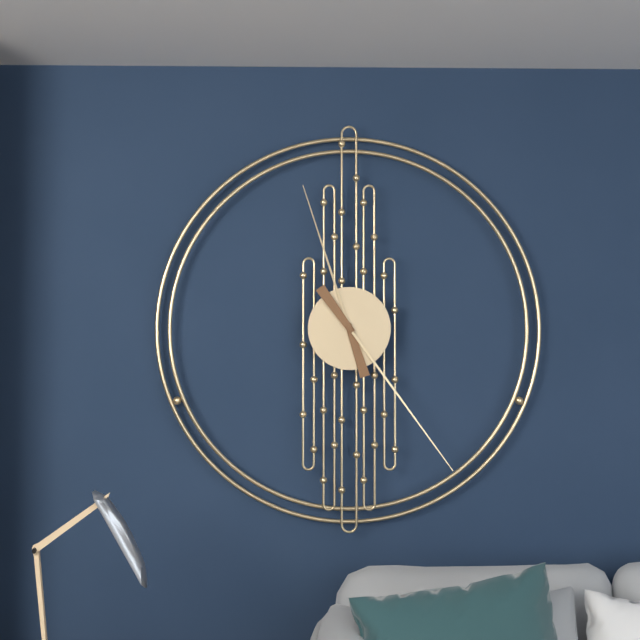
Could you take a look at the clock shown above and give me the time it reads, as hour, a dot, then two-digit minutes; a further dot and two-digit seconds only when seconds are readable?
11.24
